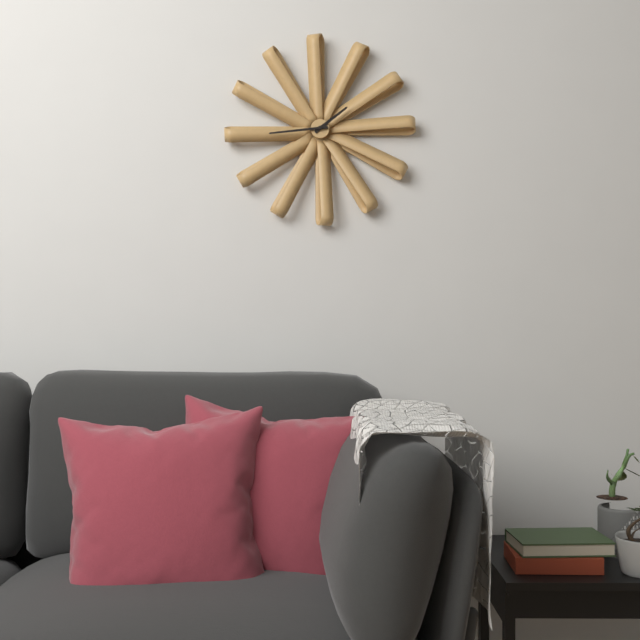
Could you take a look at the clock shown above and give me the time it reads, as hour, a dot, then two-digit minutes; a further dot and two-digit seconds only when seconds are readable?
1.44
